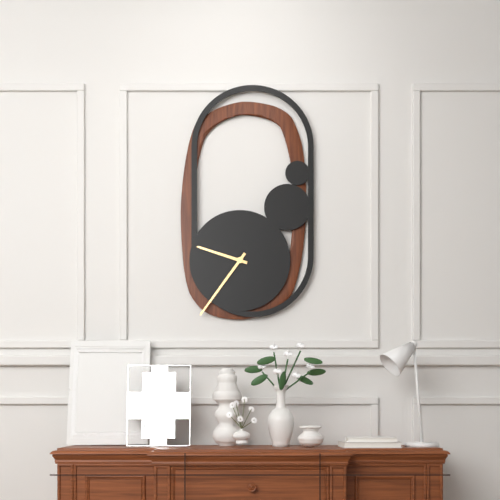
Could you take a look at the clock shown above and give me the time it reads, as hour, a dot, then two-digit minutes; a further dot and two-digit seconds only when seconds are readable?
9.36
